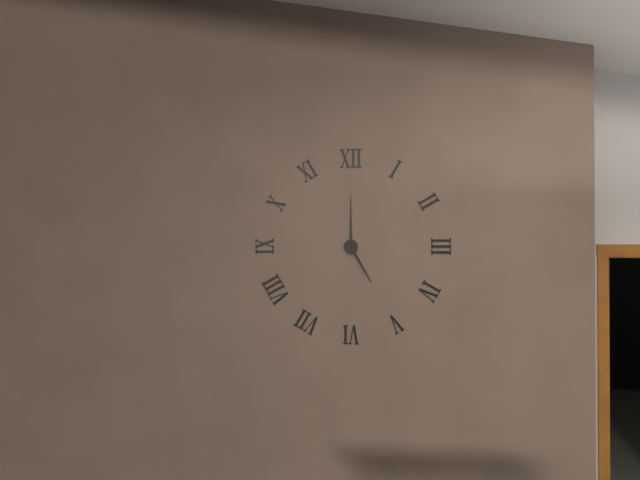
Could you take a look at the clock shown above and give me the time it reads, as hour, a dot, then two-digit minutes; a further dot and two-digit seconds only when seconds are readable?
5.00
